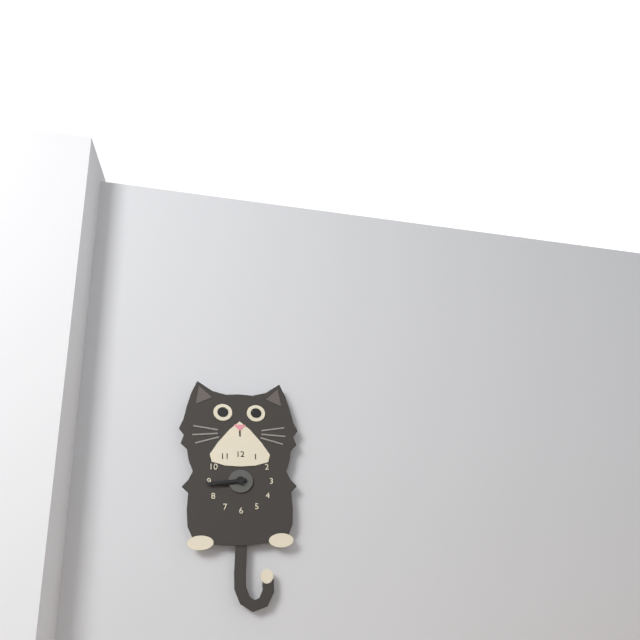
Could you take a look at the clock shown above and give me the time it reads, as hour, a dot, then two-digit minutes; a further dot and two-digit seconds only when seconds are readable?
8.44
